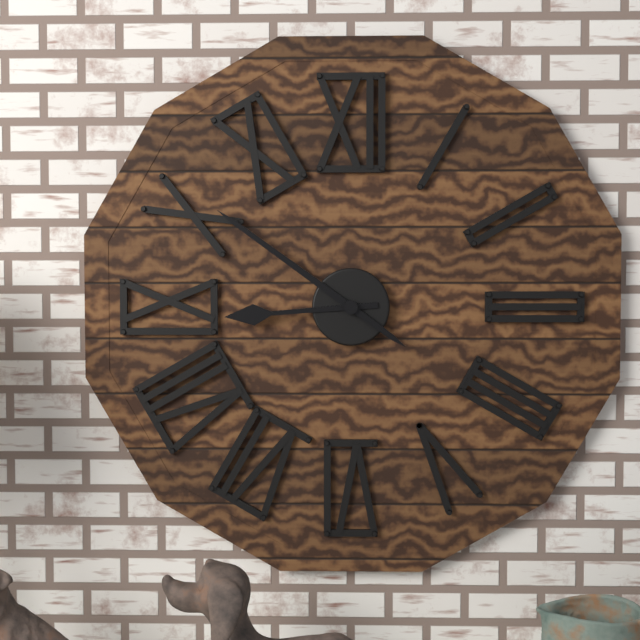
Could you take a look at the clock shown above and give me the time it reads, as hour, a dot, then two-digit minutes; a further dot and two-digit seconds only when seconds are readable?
8.51
